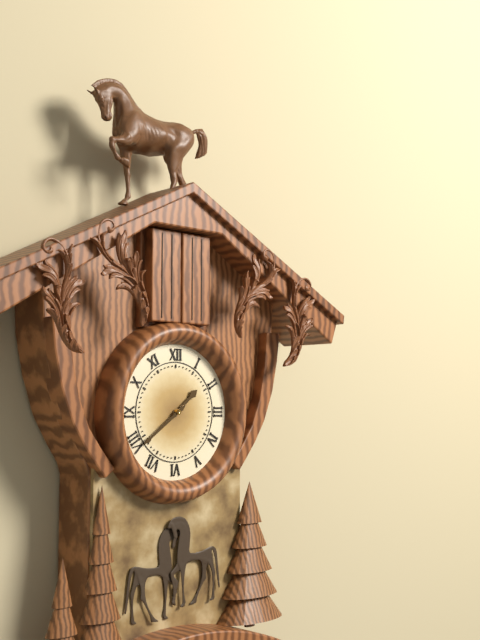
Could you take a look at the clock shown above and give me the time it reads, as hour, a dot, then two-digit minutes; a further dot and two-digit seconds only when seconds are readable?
1.39
